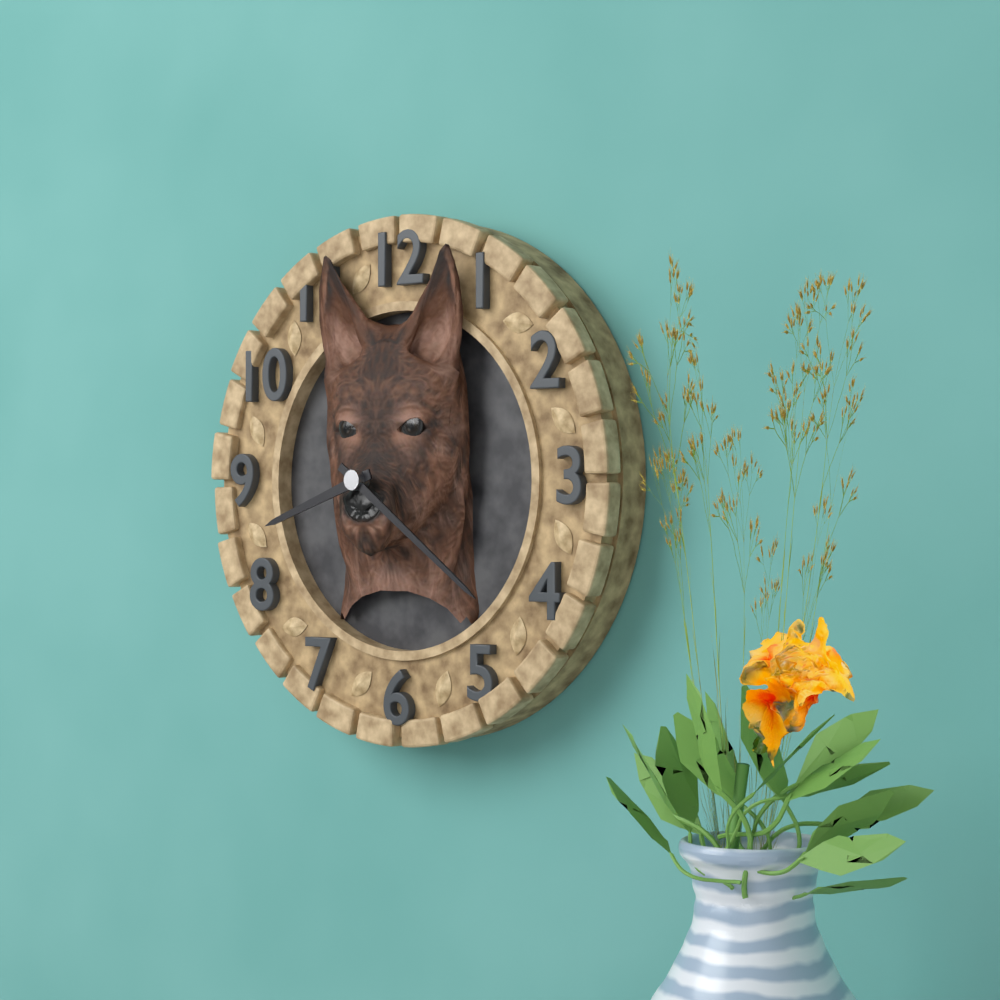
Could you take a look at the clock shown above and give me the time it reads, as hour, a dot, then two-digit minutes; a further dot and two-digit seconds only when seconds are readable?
8.21
